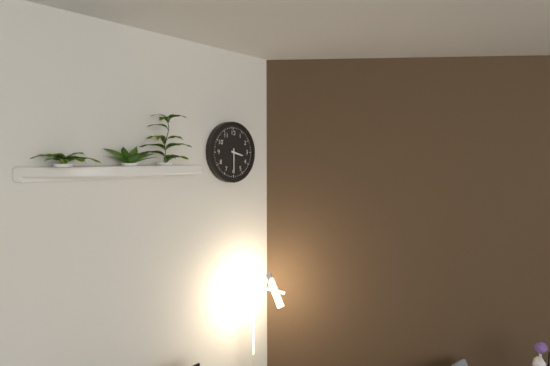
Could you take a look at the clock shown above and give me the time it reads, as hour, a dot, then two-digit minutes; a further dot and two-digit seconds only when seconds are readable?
3.30
